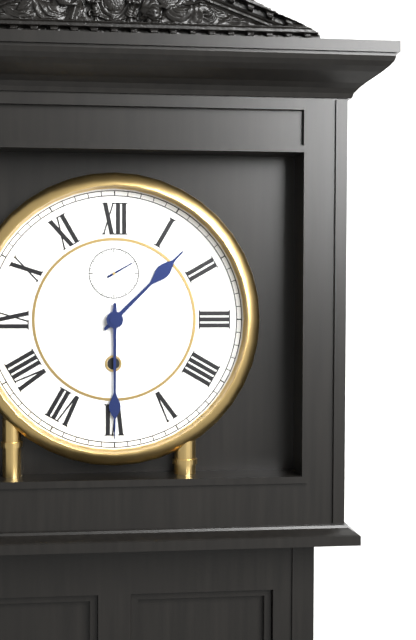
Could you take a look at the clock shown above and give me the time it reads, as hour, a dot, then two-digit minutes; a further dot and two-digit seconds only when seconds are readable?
1.30
